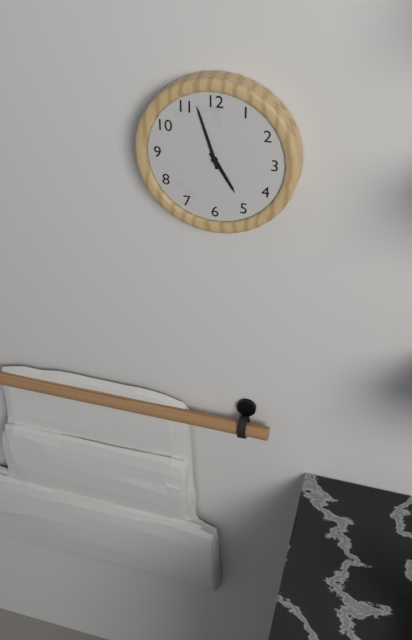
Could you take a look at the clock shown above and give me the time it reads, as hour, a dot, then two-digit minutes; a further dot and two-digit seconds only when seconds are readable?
4.57
